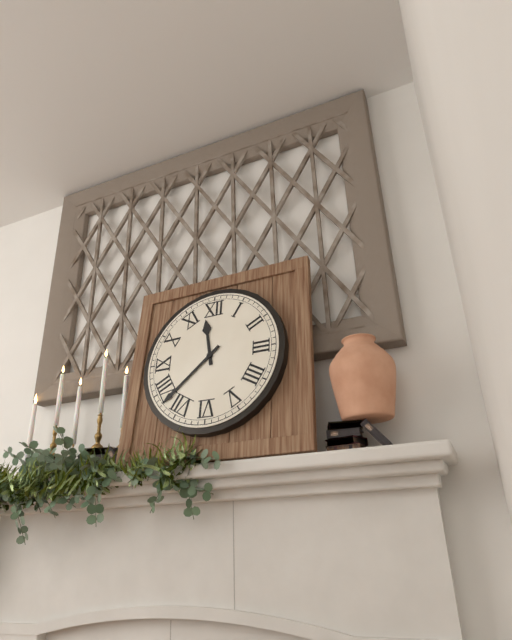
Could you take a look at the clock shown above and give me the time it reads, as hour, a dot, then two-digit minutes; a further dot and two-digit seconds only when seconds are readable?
11.38
